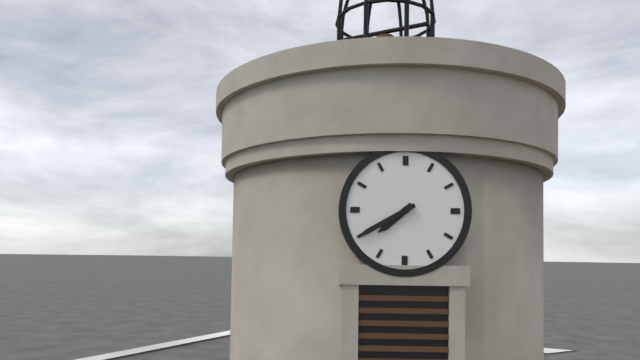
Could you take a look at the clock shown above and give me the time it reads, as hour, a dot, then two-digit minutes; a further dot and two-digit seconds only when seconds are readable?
7.40
